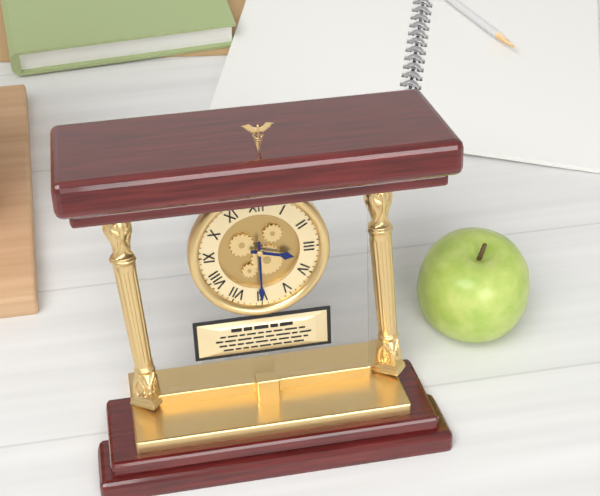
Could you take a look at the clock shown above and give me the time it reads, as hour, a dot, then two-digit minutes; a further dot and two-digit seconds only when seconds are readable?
3.30
